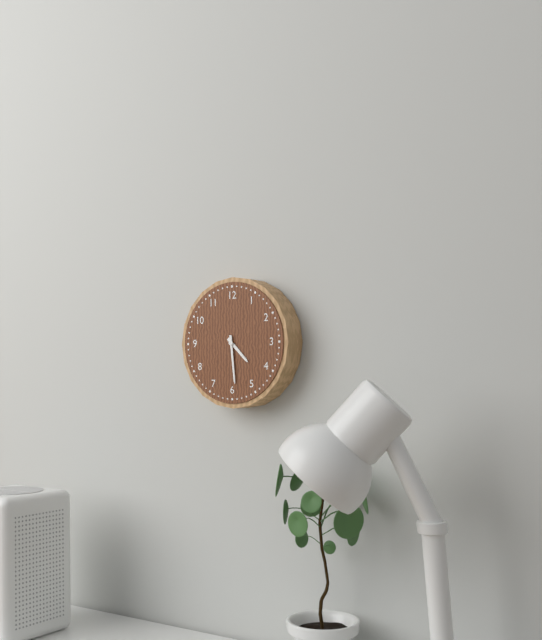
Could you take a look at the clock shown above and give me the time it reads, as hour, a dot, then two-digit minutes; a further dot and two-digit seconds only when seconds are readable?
4.29
